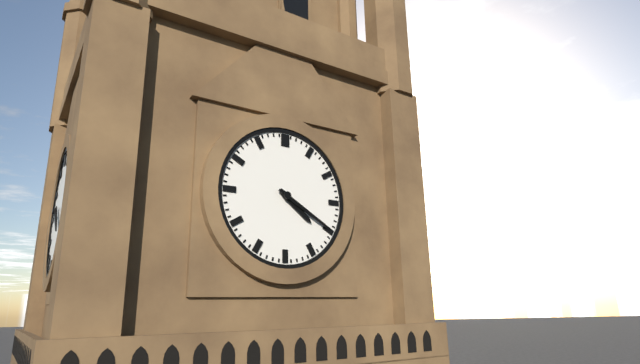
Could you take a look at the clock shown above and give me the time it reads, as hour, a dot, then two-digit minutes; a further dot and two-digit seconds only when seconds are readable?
4.20
